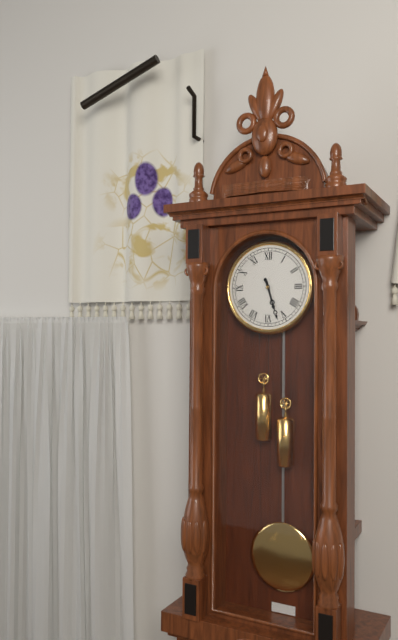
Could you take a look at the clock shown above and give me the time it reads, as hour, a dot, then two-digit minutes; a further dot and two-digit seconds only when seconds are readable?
5.27
